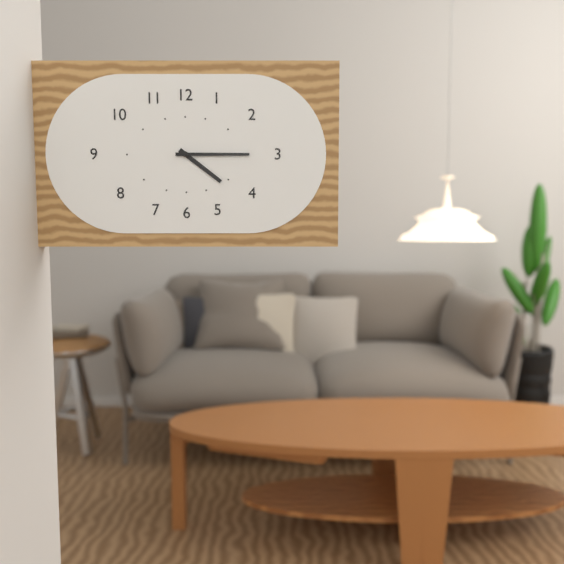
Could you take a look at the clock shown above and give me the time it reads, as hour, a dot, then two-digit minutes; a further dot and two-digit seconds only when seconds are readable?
4.15
